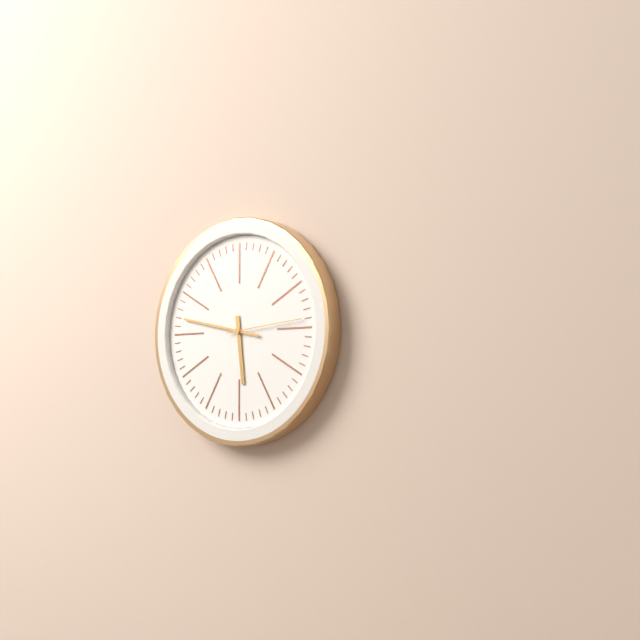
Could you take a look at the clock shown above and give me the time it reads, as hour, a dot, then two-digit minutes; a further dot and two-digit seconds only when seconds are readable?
5.47.14
